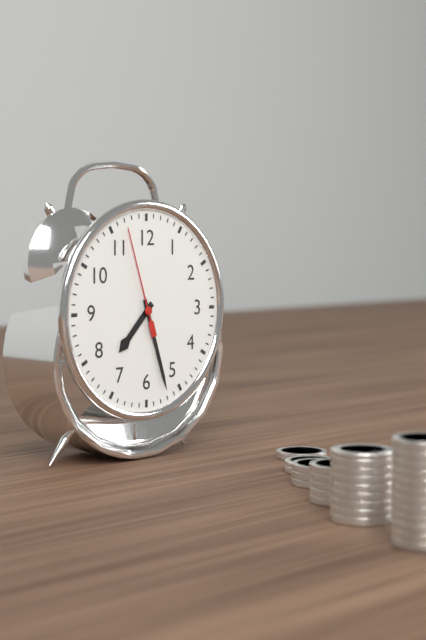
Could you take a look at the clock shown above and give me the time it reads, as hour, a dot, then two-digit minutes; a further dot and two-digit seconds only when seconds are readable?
7.27.57
